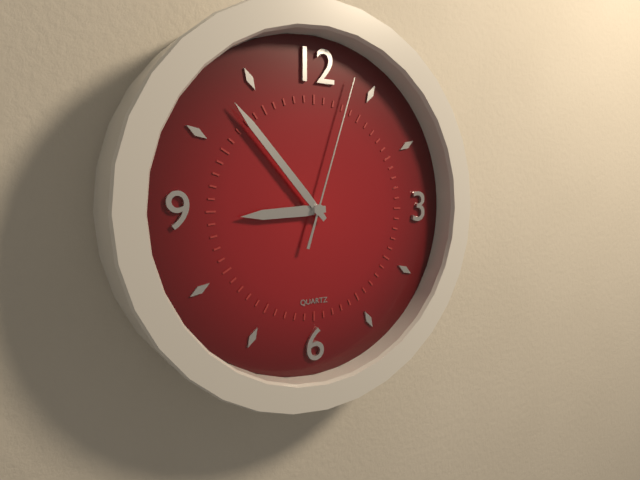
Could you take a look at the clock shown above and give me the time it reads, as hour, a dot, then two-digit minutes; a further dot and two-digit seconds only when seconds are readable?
8.53.03
